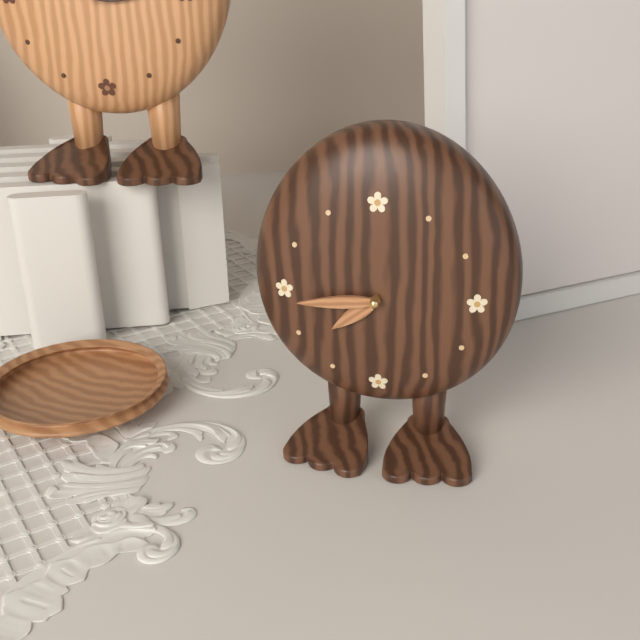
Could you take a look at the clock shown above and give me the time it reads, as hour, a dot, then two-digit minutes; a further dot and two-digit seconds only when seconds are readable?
7.44
